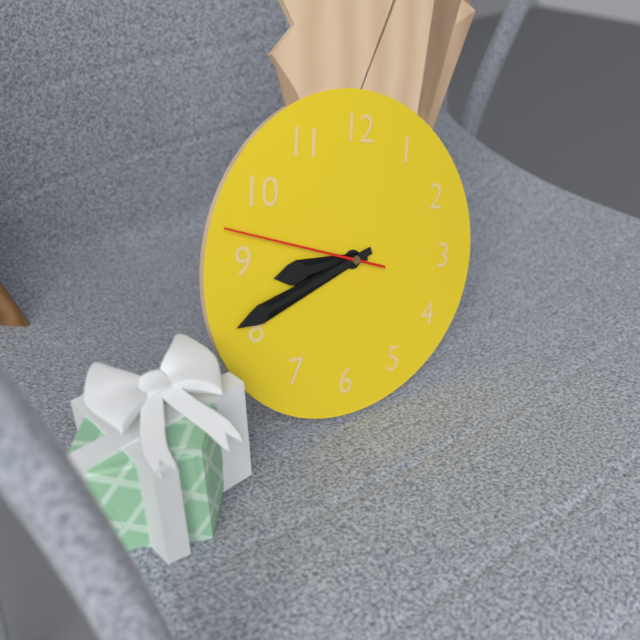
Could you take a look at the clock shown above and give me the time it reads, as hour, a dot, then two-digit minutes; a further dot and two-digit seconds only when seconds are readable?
8.41.47
